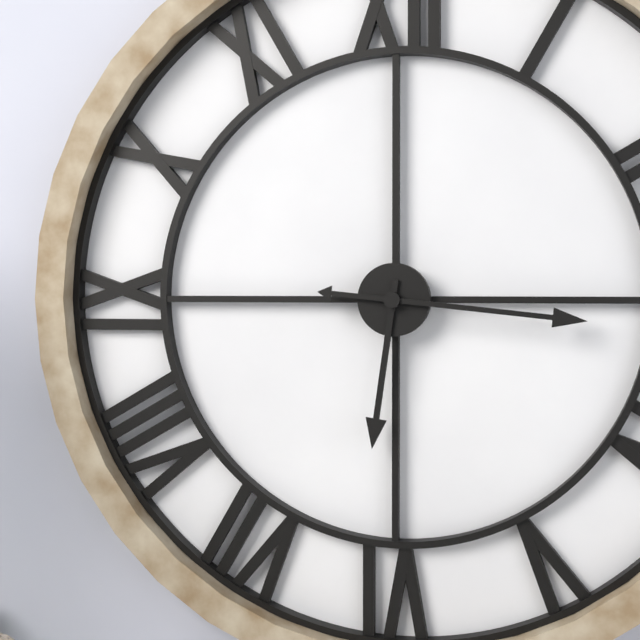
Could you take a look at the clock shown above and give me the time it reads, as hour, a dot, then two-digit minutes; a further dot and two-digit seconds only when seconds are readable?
6.16
